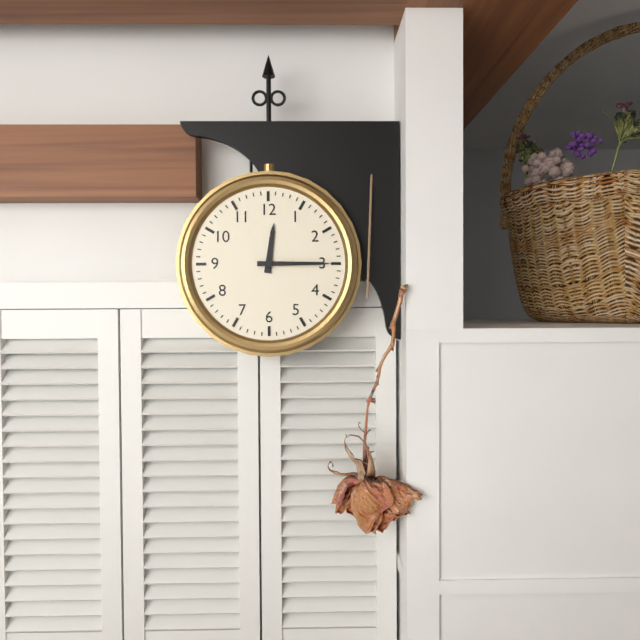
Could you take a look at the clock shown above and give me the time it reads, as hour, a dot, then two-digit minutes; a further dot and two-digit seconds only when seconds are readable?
12.15
